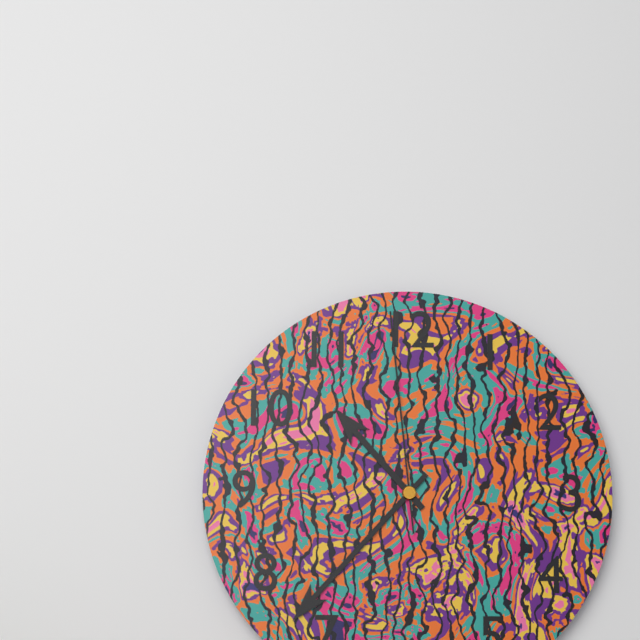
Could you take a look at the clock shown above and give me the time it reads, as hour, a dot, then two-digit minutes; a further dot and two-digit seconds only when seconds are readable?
10.37.59
